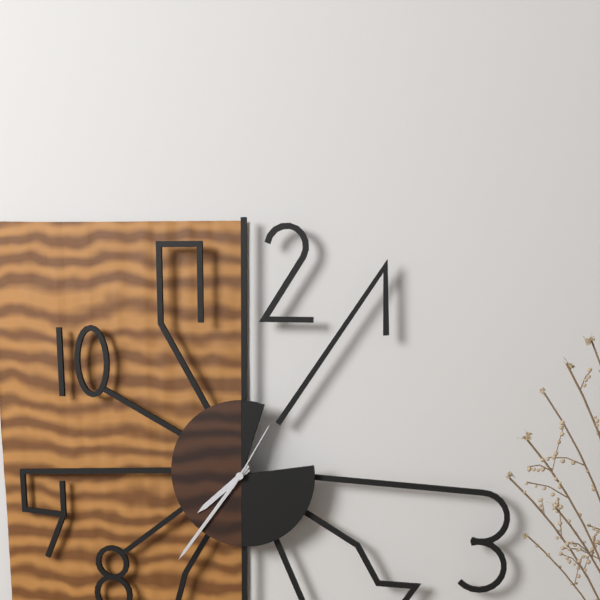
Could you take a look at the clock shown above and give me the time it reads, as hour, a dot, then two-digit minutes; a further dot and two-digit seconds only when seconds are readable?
7.36.05
